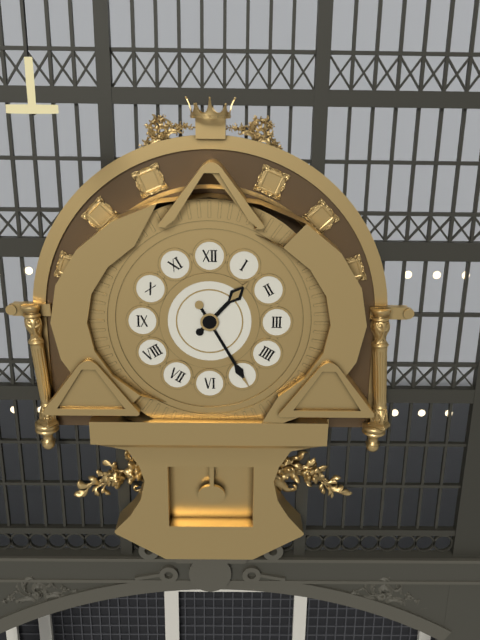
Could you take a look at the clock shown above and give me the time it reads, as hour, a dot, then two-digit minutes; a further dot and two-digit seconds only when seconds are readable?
1.25
